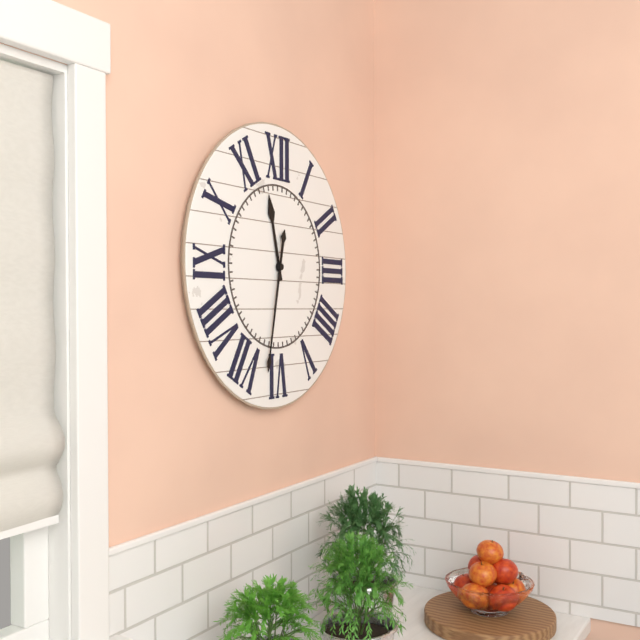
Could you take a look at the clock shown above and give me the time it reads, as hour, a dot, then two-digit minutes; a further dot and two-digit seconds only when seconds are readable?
11.32
